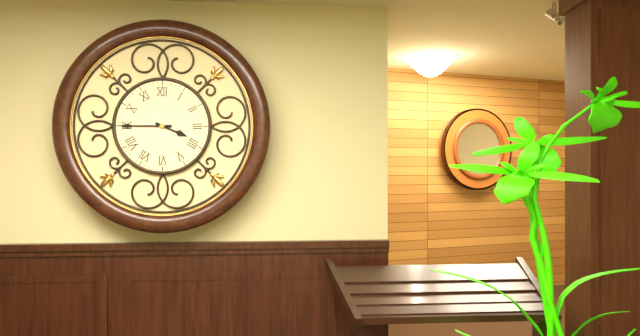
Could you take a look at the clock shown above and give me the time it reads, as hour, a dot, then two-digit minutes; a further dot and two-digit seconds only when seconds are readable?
3.45
